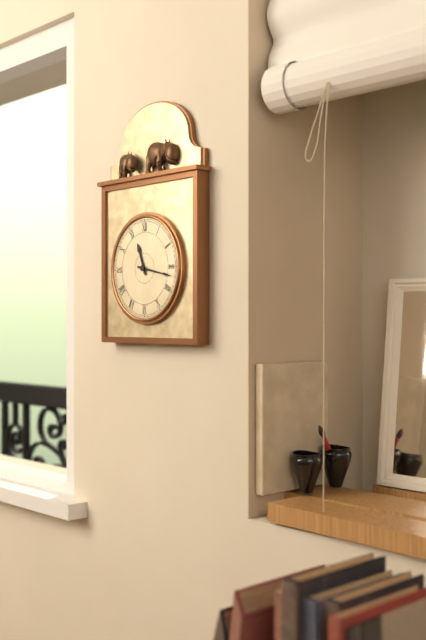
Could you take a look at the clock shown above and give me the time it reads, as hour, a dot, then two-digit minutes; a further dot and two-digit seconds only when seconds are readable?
11.17
